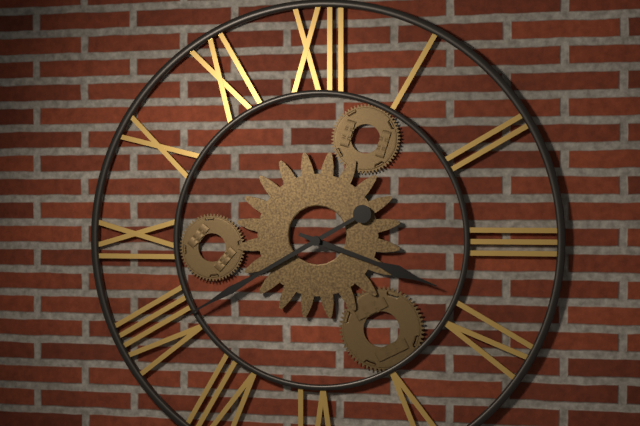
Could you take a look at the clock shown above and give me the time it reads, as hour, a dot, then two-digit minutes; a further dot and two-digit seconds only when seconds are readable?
3.40
